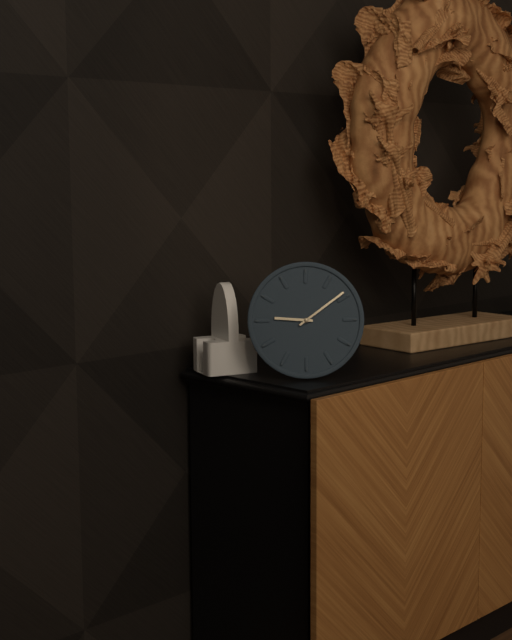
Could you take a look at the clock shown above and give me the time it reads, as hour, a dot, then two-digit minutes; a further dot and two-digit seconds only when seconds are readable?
9.09
